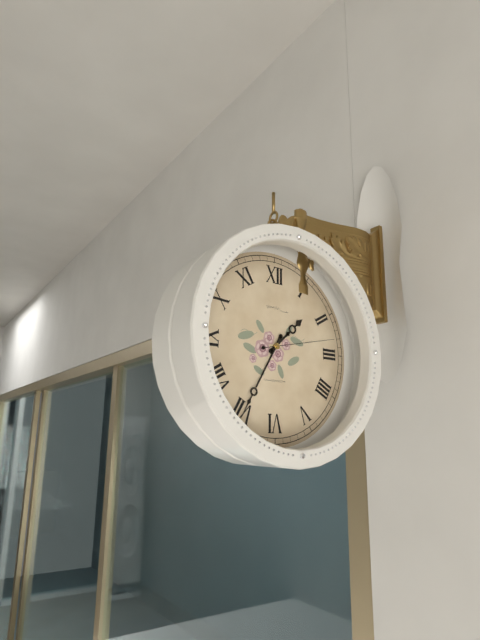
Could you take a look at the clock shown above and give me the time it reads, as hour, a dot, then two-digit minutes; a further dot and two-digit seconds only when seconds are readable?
1.35.13
